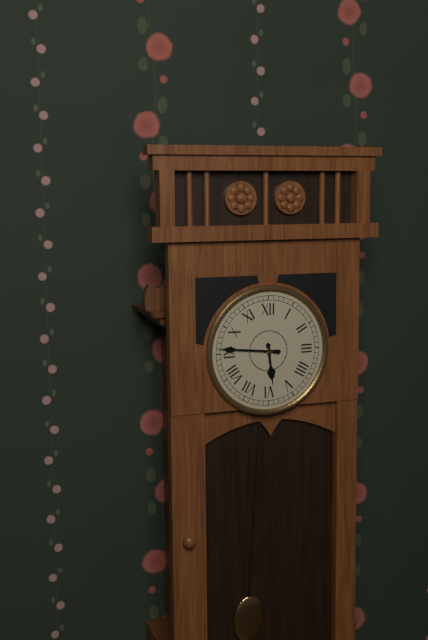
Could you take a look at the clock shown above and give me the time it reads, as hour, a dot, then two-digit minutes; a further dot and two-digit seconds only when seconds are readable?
5.46
